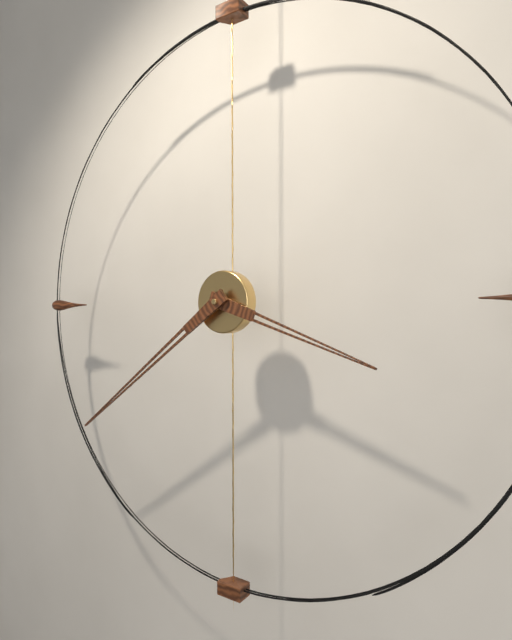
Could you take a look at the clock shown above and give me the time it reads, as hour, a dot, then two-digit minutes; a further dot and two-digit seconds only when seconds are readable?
3.39
